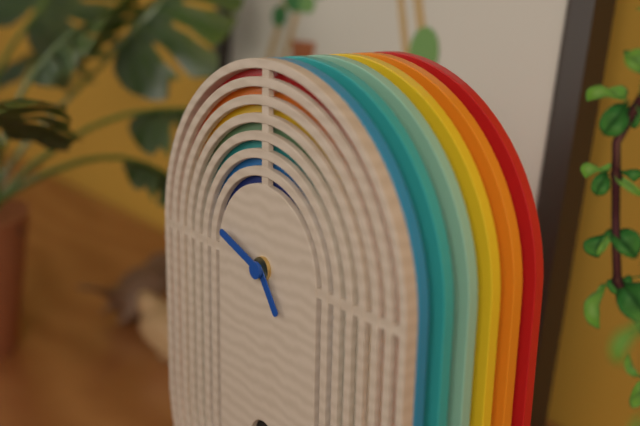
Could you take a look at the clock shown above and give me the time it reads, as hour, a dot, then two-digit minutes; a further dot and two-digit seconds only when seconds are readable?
4.48
